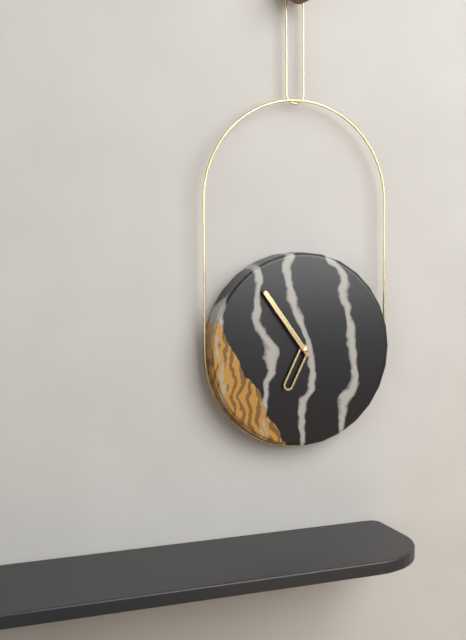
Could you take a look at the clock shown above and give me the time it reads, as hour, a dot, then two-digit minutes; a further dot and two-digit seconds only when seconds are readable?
6.54
